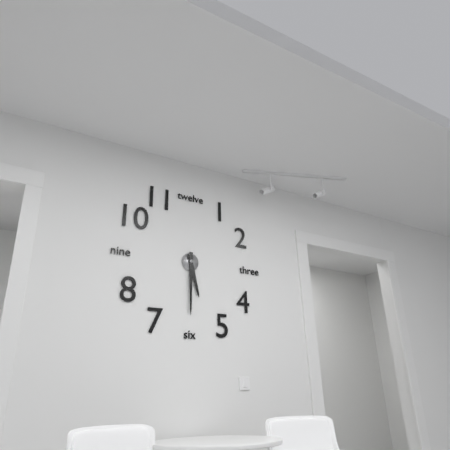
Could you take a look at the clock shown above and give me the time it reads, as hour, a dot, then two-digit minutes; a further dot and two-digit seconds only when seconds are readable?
5.30
